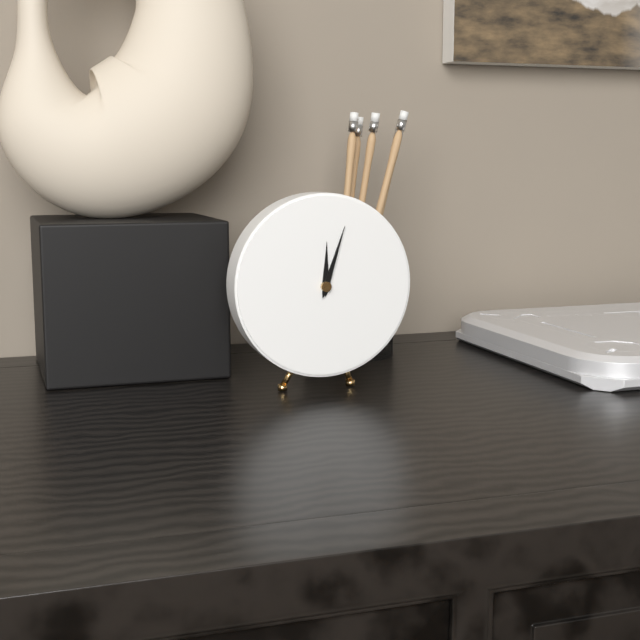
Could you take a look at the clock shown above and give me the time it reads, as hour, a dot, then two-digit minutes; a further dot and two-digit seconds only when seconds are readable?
12.03
